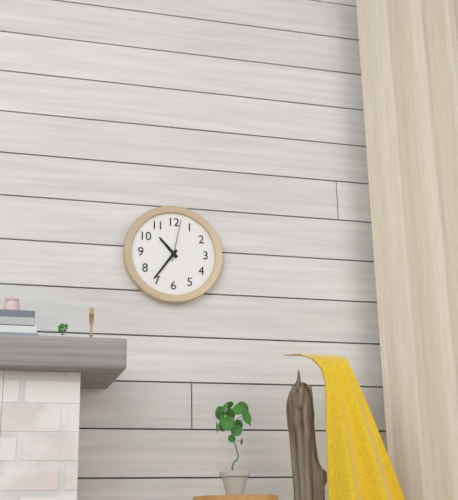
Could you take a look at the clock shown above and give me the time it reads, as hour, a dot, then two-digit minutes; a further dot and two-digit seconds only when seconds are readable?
10.36
